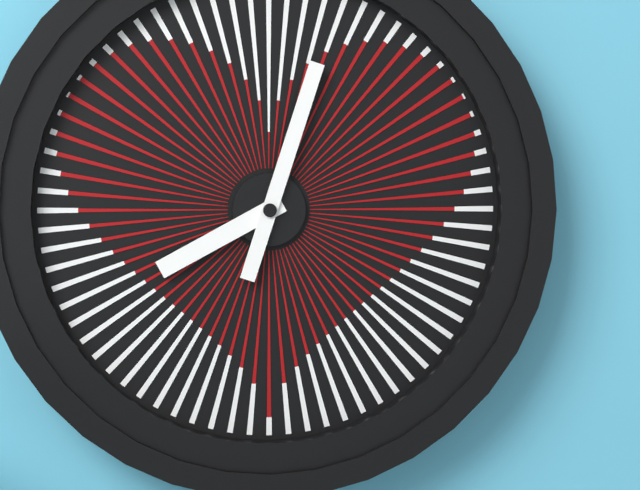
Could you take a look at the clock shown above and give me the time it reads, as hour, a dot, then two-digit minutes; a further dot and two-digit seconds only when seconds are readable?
8.03
